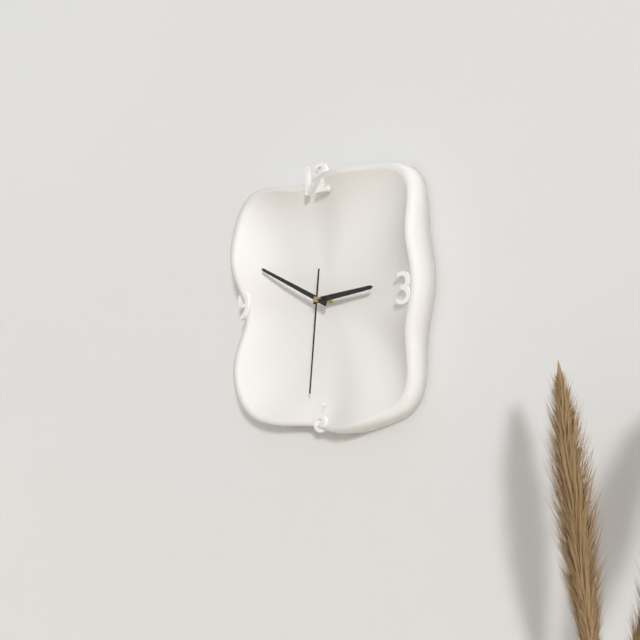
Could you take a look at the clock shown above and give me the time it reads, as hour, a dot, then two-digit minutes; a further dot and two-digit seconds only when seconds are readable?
2.49.31
